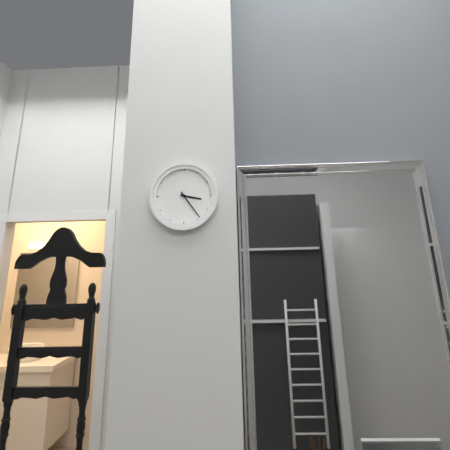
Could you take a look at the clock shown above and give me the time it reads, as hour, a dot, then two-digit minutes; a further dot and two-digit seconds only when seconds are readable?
3.24
